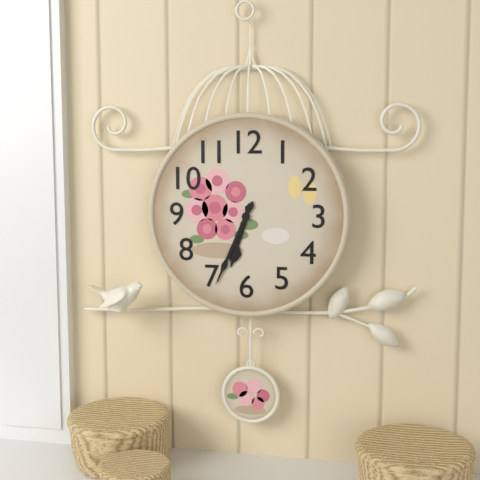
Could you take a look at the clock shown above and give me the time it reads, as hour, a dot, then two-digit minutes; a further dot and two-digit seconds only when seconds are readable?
6.34
